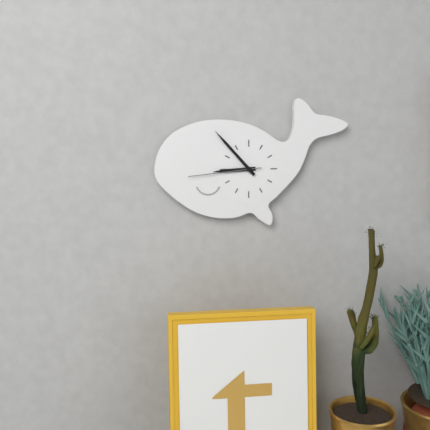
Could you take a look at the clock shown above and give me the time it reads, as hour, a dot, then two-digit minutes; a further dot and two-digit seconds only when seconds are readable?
8.53.44
